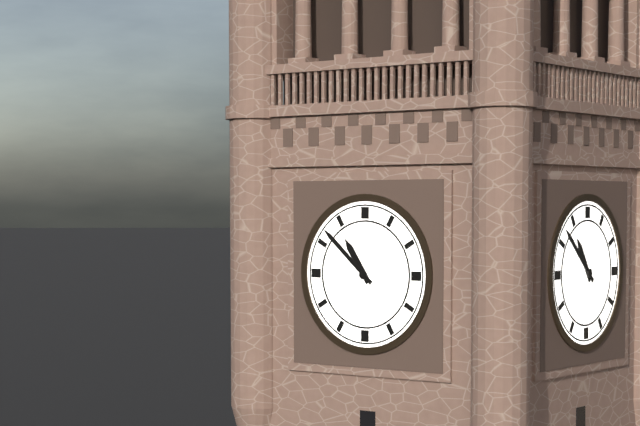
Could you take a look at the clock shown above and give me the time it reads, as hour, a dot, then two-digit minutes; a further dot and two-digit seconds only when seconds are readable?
10.52
